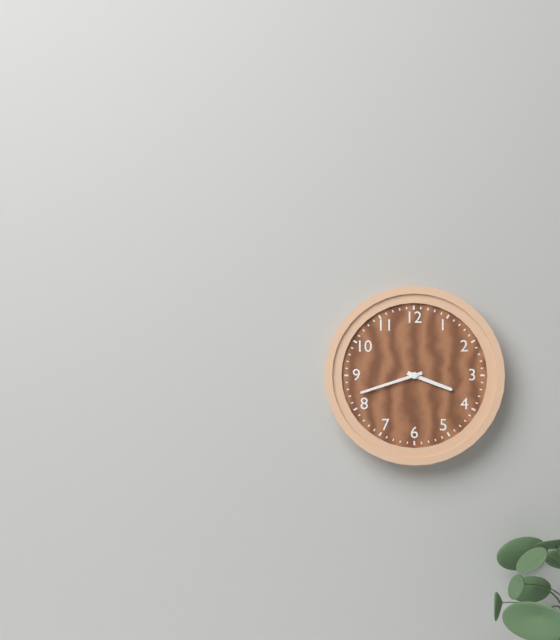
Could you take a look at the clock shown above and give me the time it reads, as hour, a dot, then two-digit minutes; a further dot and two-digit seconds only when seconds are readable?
3.42
